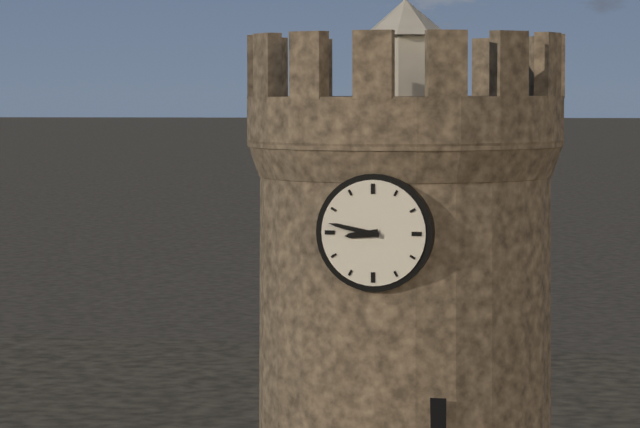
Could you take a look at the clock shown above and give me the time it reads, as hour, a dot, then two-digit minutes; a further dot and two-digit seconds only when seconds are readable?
8.47
